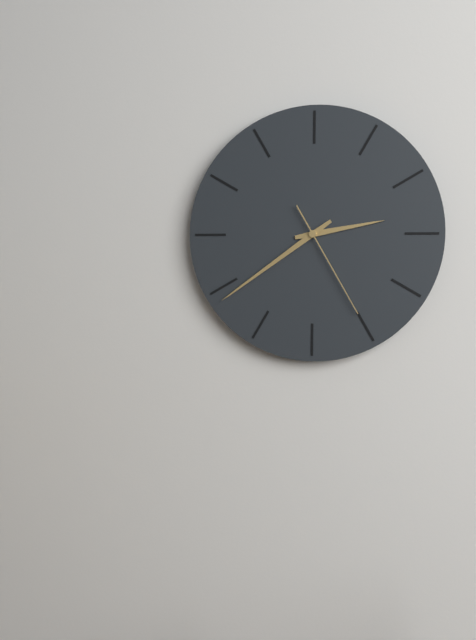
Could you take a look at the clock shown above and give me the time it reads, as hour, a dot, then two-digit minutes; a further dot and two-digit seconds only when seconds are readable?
2.39.25
